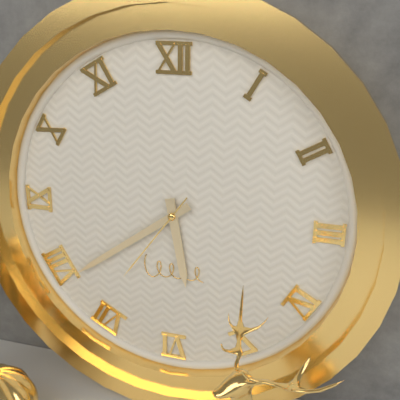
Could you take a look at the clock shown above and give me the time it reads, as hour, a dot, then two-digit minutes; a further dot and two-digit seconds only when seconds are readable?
5.39.36
